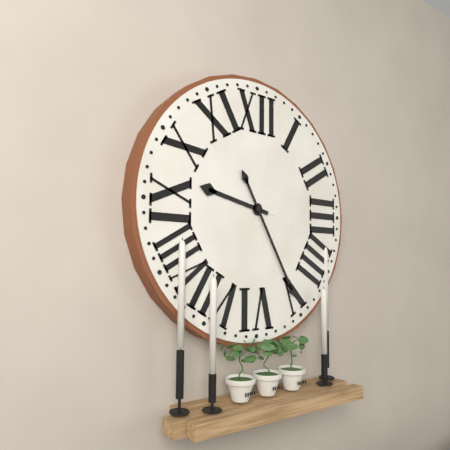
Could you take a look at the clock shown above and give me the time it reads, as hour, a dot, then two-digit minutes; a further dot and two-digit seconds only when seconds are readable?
9.25
